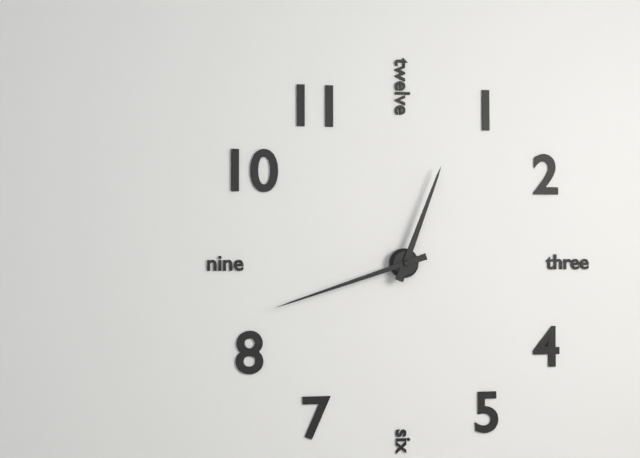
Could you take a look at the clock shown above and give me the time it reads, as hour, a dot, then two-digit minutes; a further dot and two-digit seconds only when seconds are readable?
12.42
